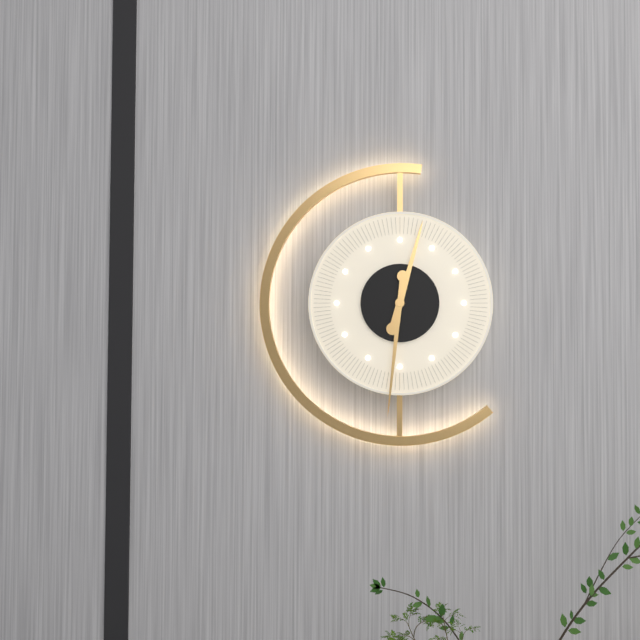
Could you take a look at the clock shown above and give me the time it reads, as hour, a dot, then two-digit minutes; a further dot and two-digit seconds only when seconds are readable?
12.31
